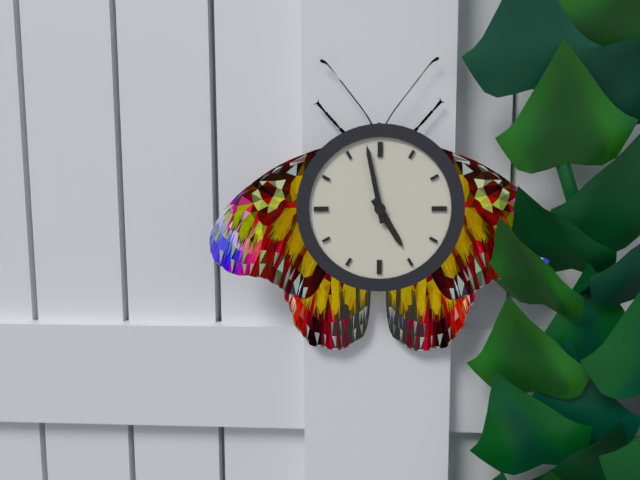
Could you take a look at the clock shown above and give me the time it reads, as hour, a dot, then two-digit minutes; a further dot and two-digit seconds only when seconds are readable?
4.58
